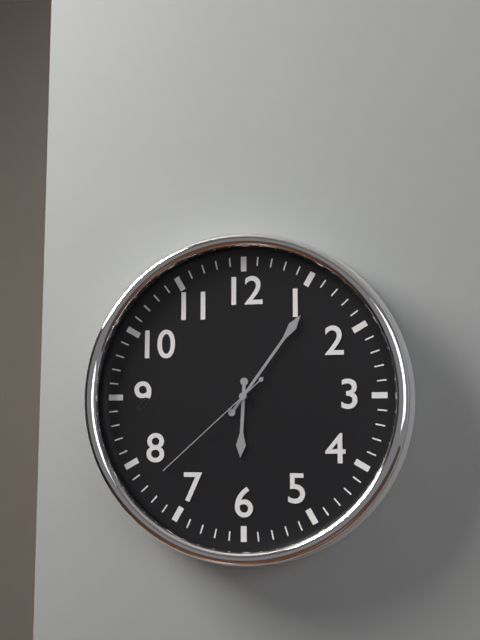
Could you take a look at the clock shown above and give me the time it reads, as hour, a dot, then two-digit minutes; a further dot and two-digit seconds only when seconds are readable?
6.06.38
